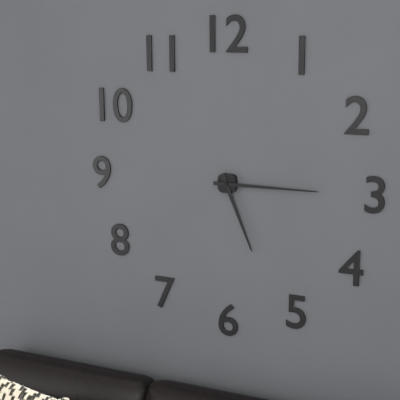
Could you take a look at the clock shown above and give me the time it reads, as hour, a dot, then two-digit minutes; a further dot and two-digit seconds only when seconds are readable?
5.15
